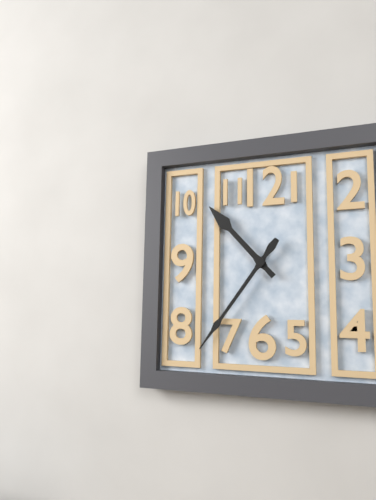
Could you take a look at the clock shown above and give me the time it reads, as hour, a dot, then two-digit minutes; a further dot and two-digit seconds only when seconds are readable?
10.36
